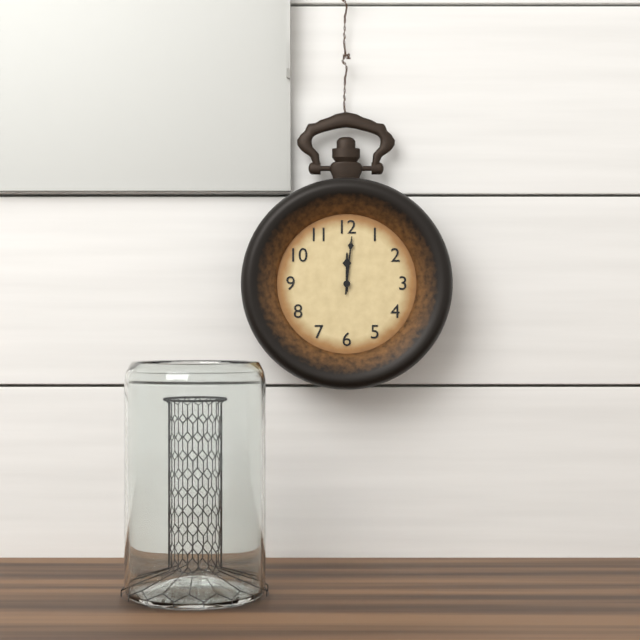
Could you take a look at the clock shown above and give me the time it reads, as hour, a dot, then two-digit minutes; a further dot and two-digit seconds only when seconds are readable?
12.01
